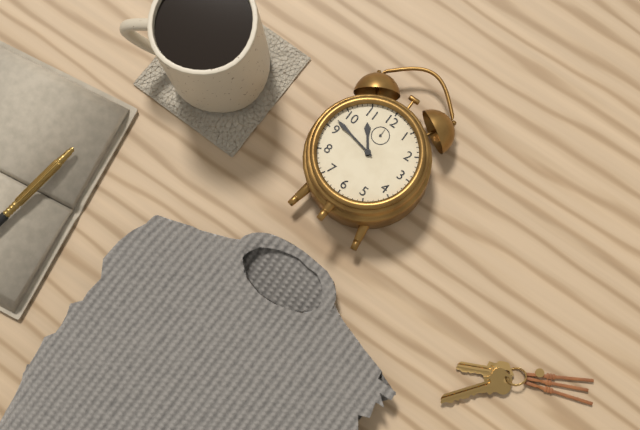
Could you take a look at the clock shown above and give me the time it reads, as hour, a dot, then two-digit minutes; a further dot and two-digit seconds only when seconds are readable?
10.47
